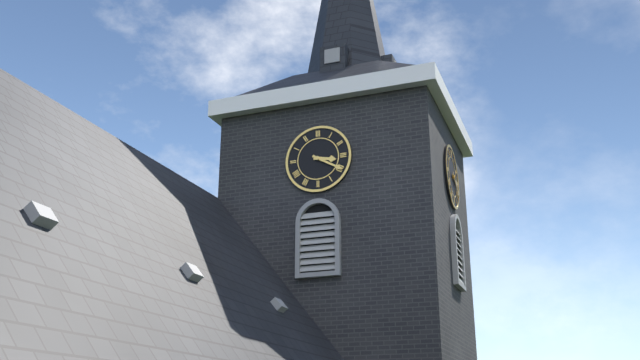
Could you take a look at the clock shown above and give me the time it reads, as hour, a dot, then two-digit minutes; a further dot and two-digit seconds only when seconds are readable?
3.20
